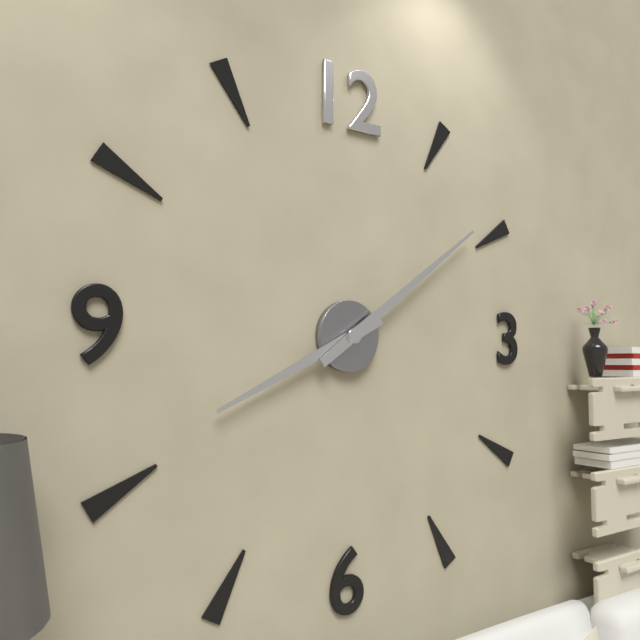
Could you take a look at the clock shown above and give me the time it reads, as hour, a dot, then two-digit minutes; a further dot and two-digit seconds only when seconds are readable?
8.09
